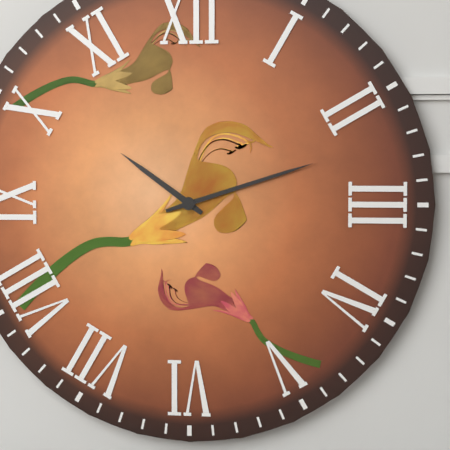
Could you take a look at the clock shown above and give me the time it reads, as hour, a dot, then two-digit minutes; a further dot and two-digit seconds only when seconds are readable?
10.12
